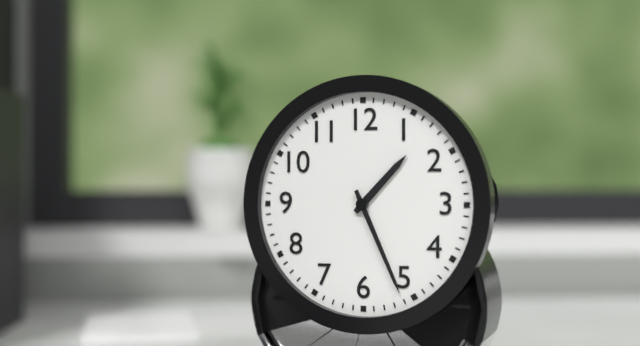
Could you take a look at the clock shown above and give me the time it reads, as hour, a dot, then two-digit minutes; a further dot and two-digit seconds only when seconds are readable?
1.26
